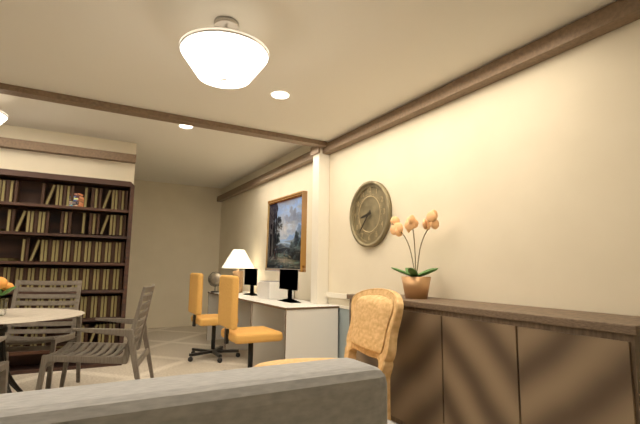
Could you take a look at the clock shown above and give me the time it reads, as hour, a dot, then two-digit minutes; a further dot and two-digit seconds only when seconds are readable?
8.37
